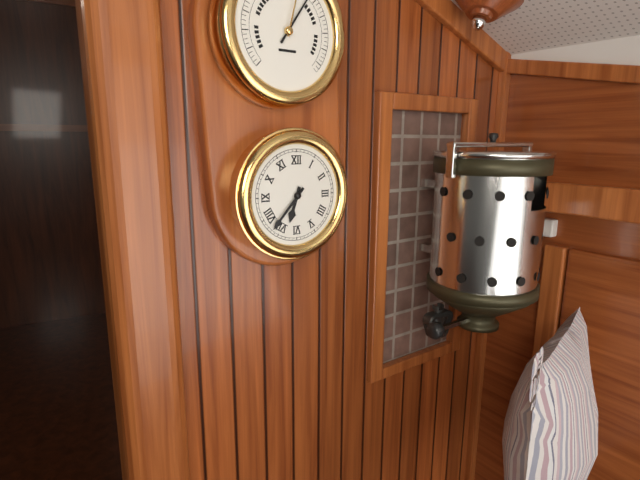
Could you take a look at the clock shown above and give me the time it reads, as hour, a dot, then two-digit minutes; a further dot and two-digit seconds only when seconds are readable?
6.37
